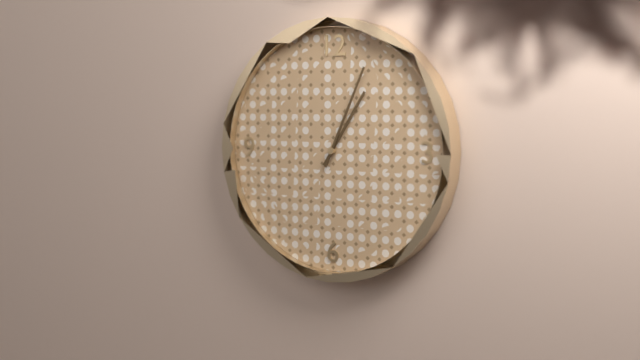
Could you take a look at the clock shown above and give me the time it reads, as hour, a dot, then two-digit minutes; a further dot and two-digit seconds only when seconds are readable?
1.04
